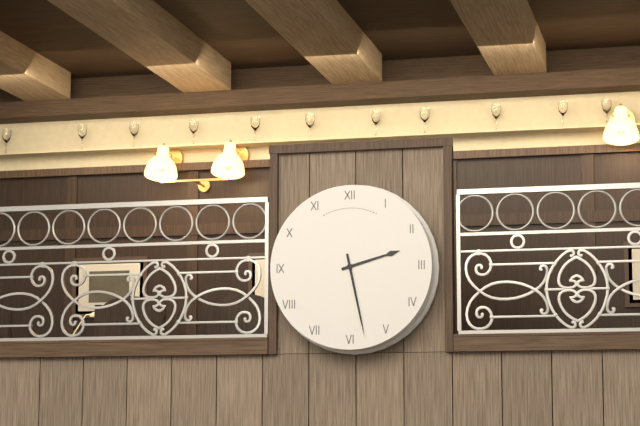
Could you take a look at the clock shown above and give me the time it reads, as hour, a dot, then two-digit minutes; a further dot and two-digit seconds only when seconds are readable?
2.28
